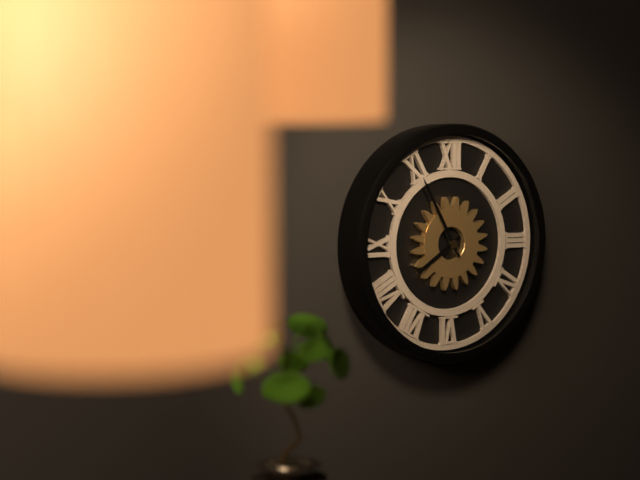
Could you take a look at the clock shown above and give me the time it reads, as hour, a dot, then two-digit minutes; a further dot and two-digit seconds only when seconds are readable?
7.55
